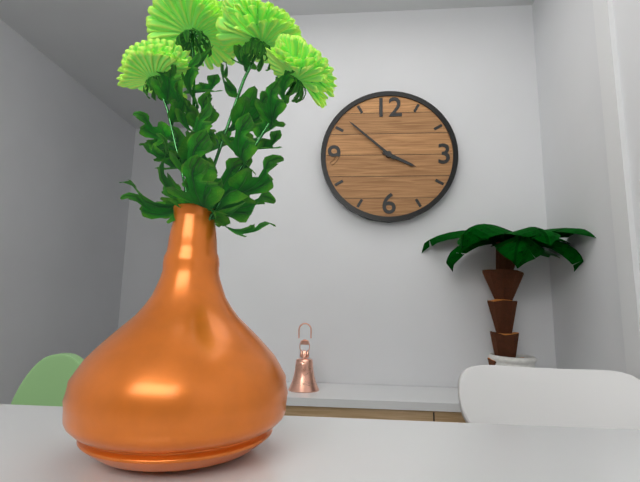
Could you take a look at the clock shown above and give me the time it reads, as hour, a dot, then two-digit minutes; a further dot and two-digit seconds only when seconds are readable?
3.52
